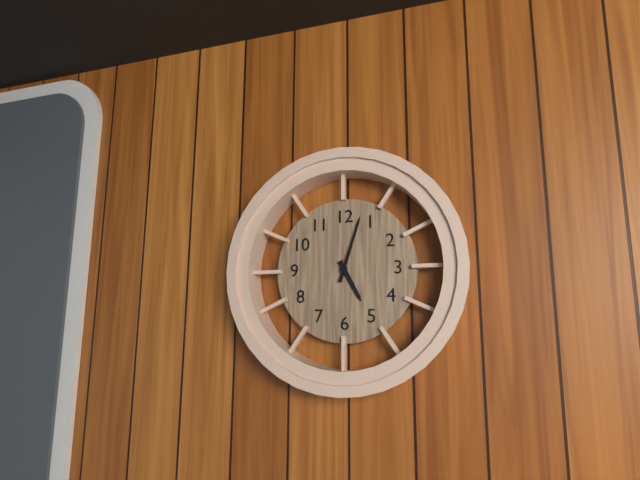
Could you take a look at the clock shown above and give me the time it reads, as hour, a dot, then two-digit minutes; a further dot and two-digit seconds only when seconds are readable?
5.03
